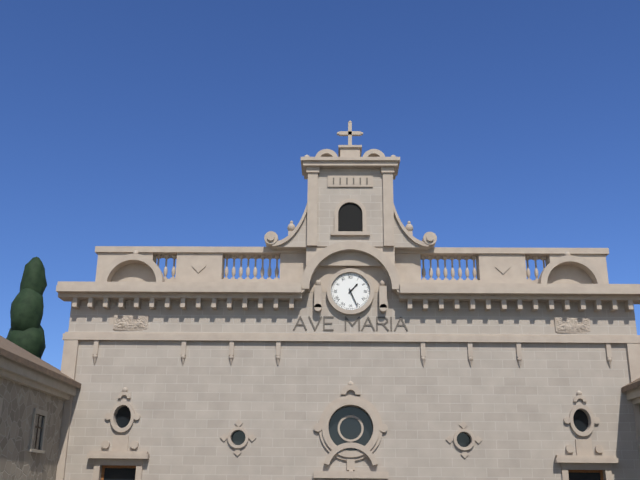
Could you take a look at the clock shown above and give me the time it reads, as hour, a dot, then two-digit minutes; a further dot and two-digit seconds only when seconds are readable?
1.26
